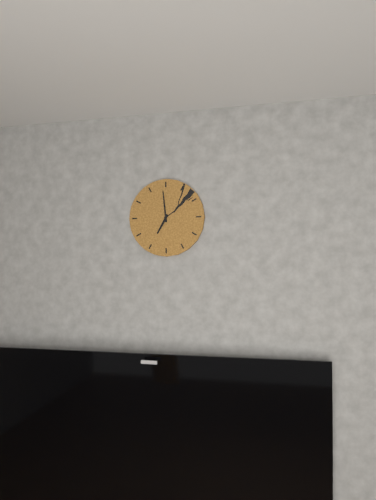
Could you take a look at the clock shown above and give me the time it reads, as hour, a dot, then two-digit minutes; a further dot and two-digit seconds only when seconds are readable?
6.59
